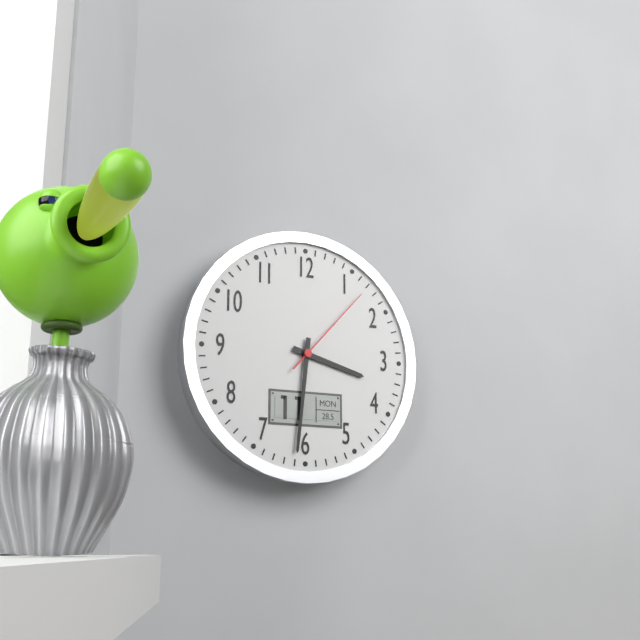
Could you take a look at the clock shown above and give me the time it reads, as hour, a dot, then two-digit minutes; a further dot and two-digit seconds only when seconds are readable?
3.31.07
